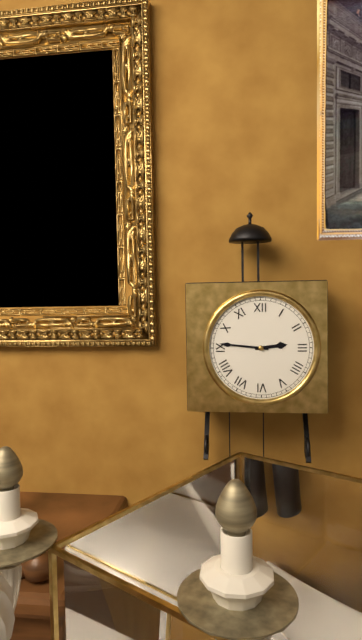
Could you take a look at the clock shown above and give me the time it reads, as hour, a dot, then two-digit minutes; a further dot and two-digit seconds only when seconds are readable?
2.46
